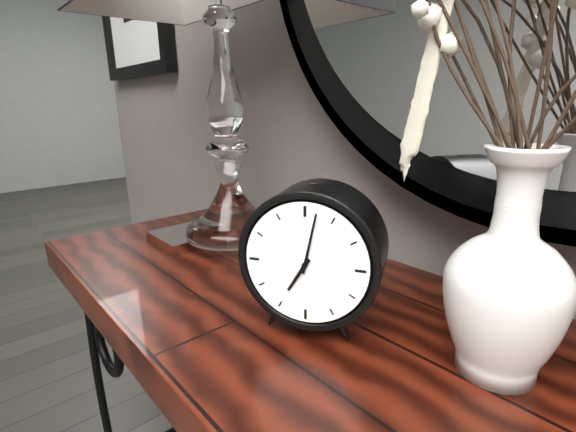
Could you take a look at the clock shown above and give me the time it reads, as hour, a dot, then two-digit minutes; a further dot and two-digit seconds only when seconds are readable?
7.02
